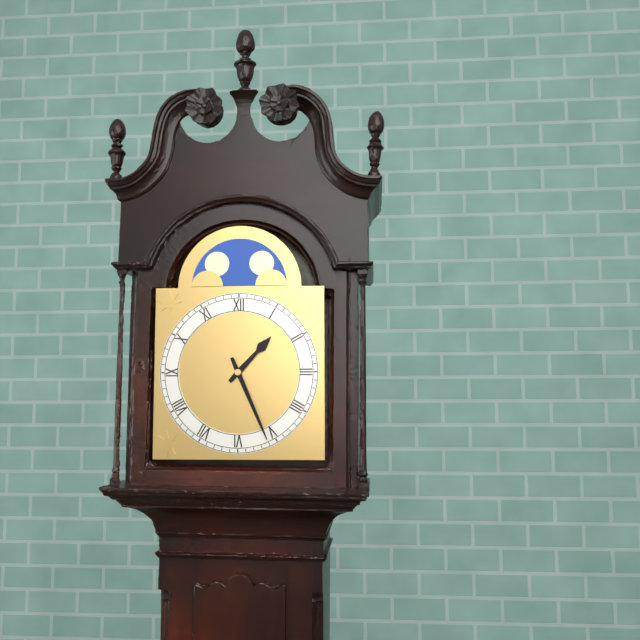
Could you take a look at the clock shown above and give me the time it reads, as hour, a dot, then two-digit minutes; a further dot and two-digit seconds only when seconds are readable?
1.26
